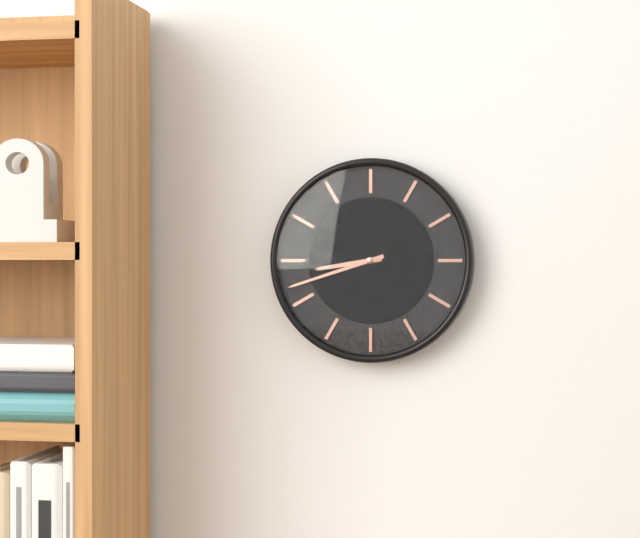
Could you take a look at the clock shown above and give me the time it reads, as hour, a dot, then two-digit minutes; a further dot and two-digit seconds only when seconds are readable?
8.42
